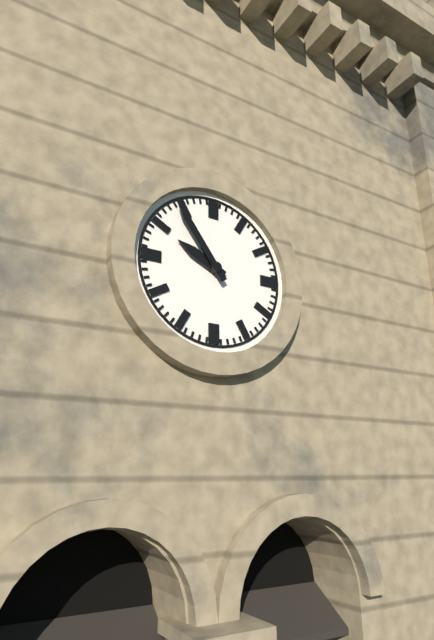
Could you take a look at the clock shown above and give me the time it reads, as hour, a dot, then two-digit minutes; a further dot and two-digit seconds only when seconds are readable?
9.54
